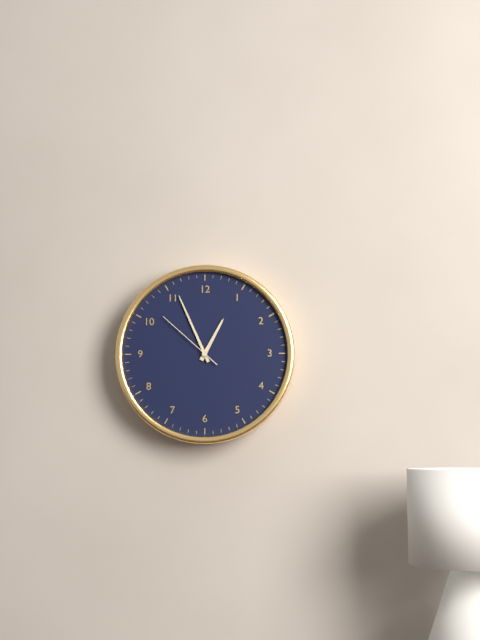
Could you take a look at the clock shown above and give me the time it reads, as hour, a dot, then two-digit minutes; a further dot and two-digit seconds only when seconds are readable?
12.56.52
